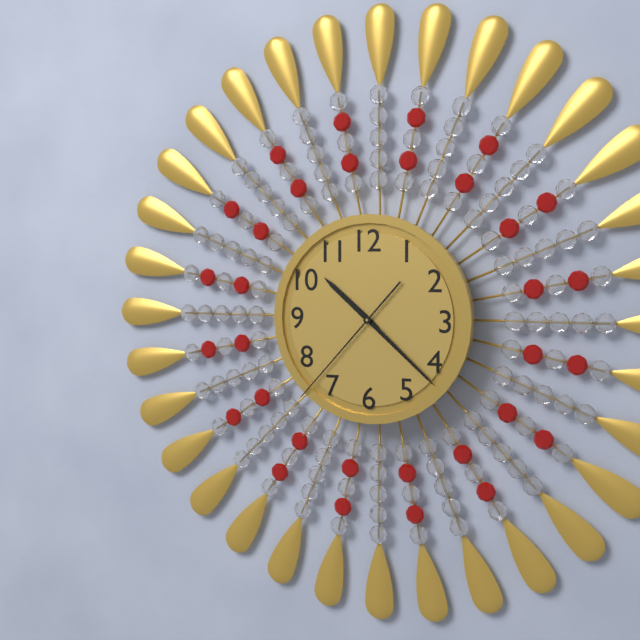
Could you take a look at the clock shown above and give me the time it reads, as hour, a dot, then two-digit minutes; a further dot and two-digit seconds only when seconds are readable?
10.22.37
